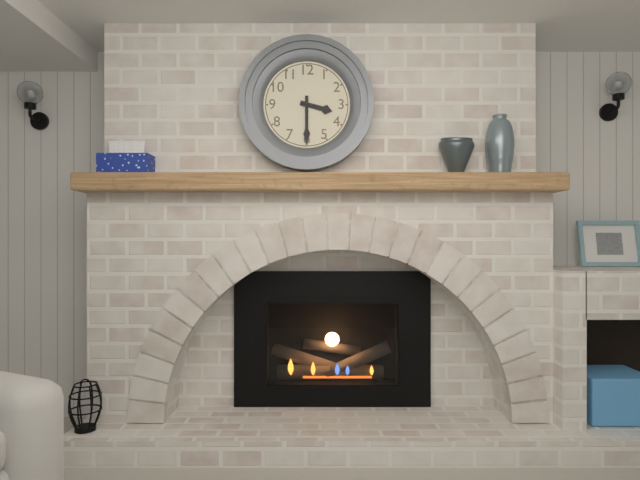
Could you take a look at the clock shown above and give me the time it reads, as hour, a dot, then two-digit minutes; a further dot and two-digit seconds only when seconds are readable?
3.30
